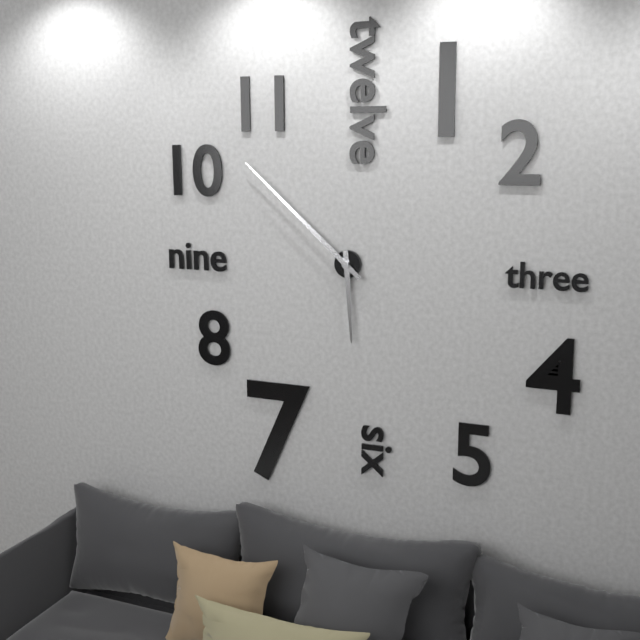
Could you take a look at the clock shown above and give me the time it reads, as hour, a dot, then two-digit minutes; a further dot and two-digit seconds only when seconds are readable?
5.52
